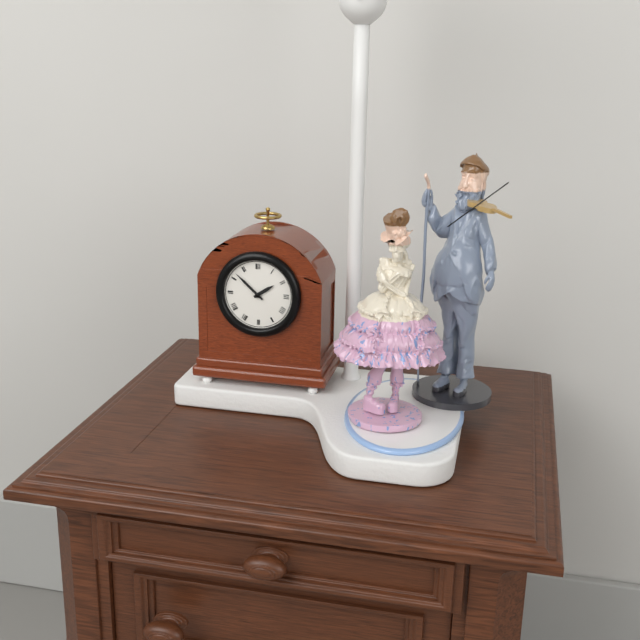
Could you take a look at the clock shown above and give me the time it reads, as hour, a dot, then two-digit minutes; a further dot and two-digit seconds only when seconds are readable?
1.52
